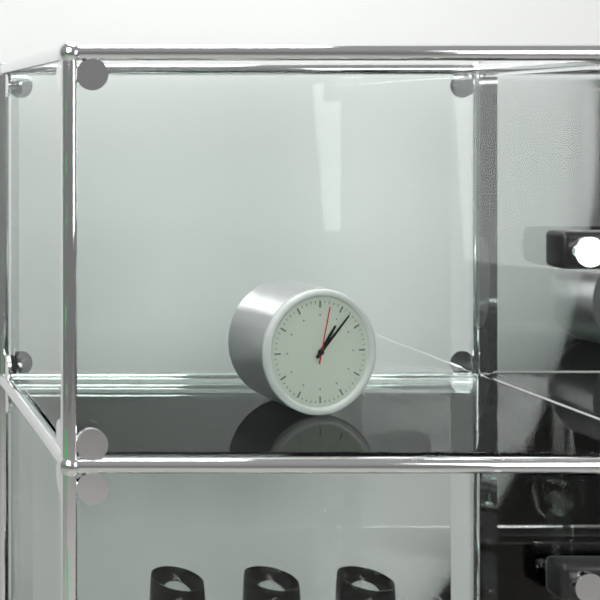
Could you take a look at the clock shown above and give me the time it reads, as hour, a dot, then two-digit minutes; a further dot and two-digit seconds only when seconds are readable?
1.07.02
